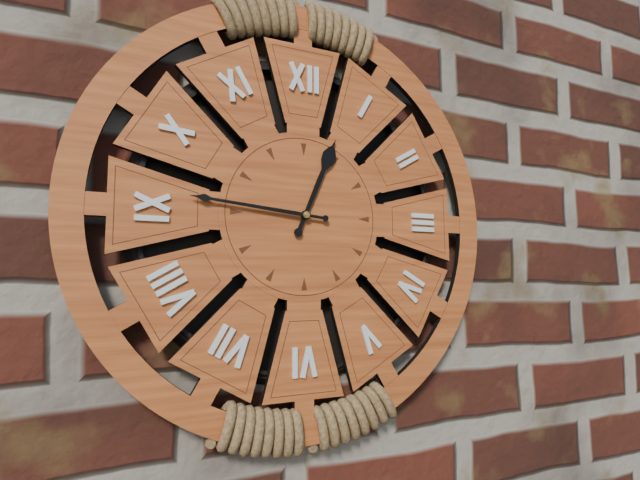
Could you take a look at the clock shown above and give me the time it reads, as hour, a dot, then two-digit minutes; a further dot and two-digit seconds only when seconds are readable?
12.46
